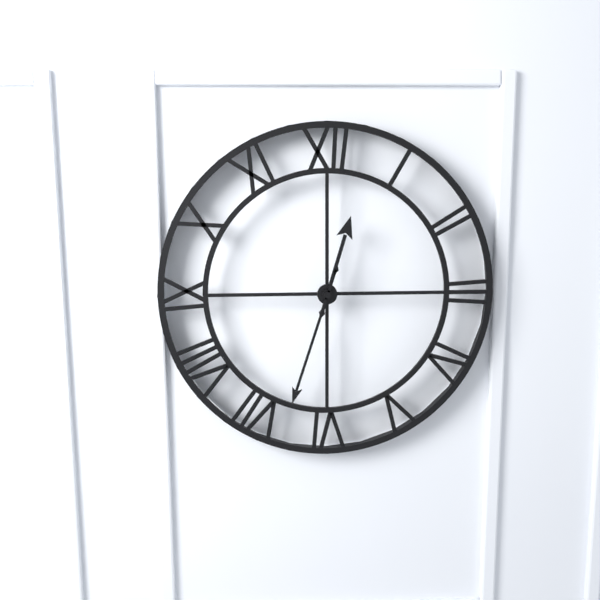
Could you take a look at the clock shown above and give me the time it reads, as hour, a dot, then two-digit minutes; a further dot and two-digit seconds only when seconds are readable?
12.33
